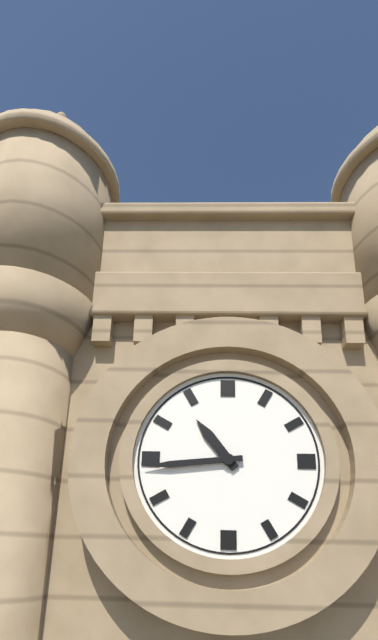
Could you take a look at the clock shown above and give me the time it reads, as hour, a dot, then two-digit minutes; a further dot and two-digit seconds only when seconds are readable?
10.44
